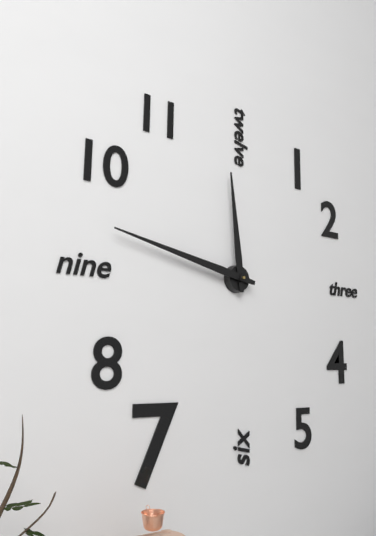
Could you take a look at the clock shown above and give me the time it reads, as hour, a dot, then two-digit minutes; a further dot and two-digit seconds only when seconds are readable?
11.47
